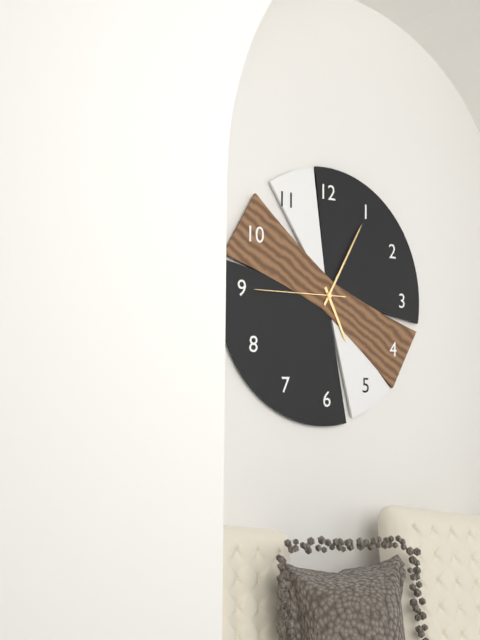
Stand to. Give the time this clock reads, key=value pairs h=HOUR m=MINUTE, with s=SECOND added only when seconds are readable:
h=5 m=5 s=45
